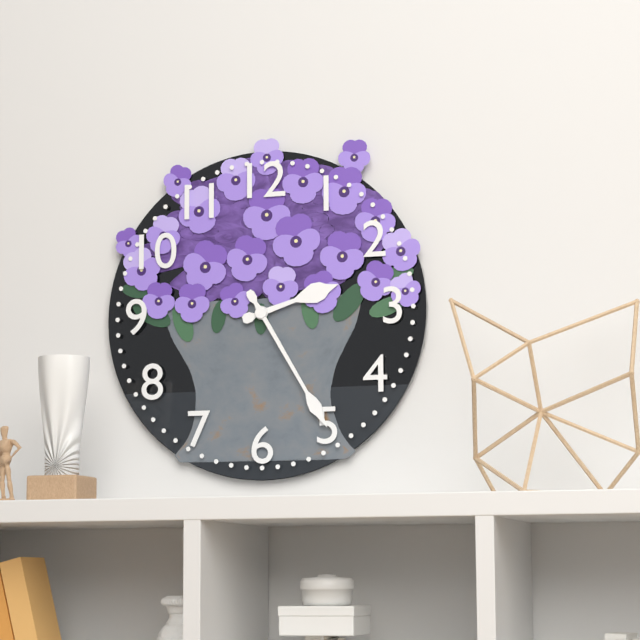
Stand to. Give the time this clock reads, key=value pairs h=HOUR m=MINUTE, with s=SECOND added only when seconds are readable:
h=2 m=25
